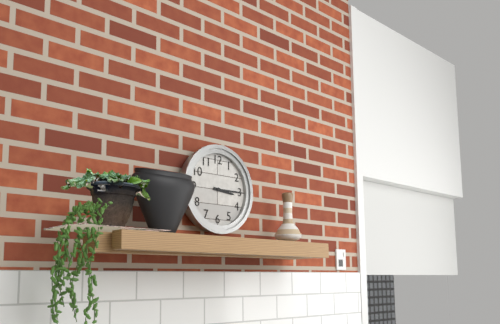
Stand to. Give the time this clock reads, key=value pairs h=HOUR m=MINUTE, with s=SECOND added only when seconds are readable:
h=3 m=15
